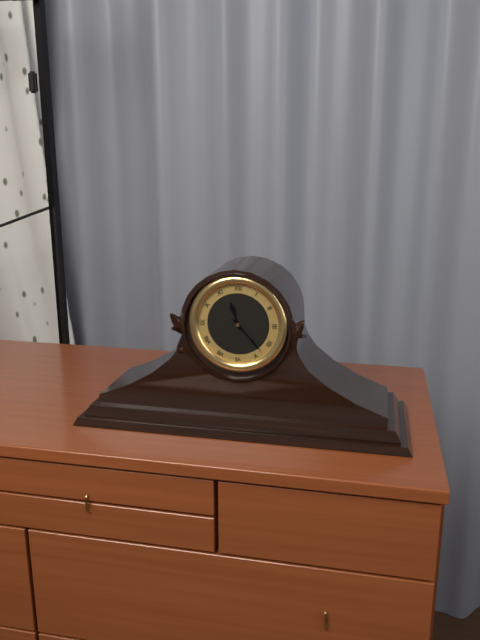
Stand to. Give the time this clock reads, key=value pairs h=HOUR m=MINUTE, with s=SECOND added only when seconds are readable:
h=11 m=23
